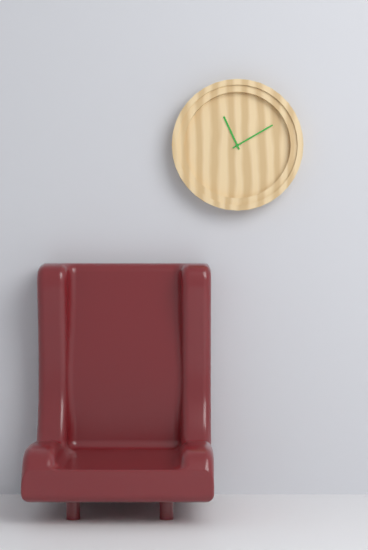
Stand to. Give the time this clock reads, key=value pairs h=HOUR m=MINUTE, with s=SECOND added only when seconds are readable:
h=11 m=10
